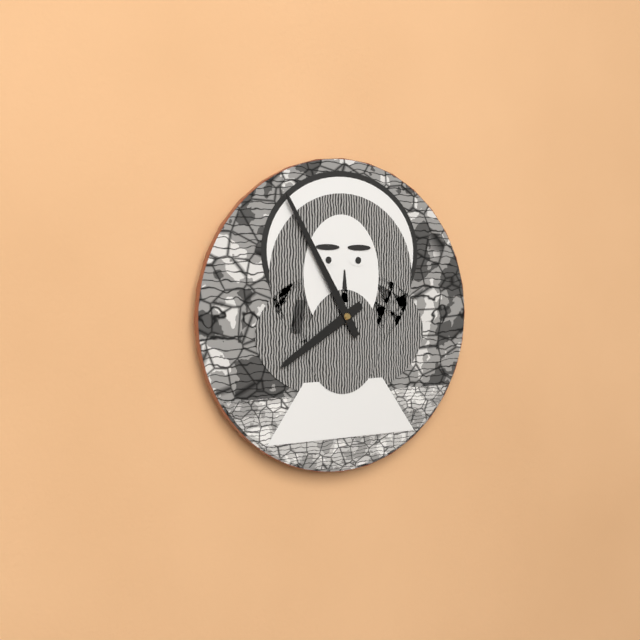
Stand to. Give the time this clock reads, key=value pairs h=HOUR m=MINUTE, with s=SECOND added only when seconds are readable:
h=7 m=55
